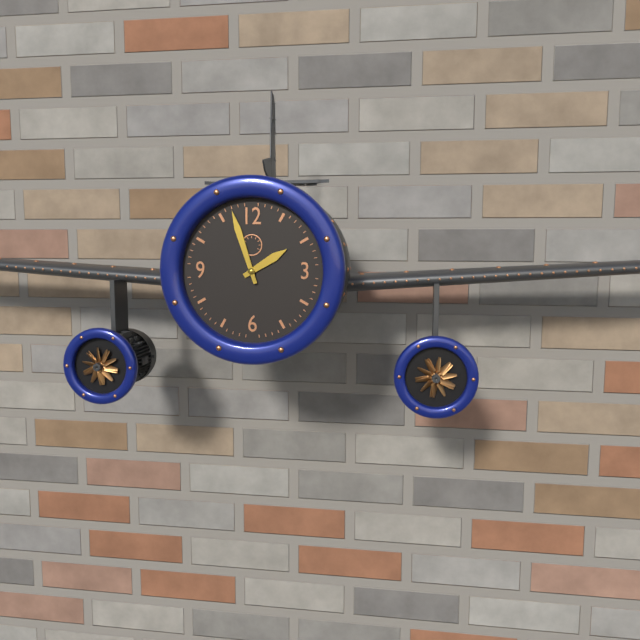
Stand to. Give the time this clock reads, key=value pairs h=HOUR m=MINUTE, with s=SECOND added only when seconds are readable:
h=1 m=57
